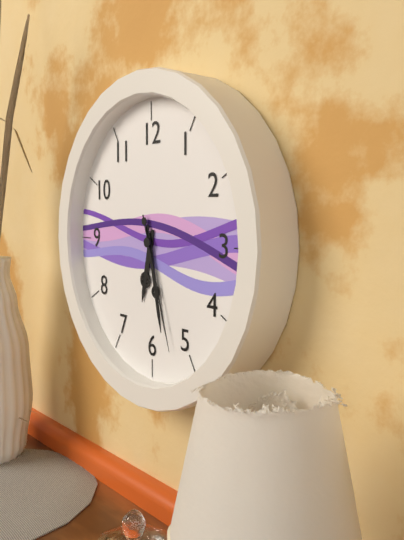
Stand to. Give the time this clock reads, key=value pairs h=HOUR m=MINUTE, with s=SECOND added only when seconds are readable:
h=6 m=28 s=27
